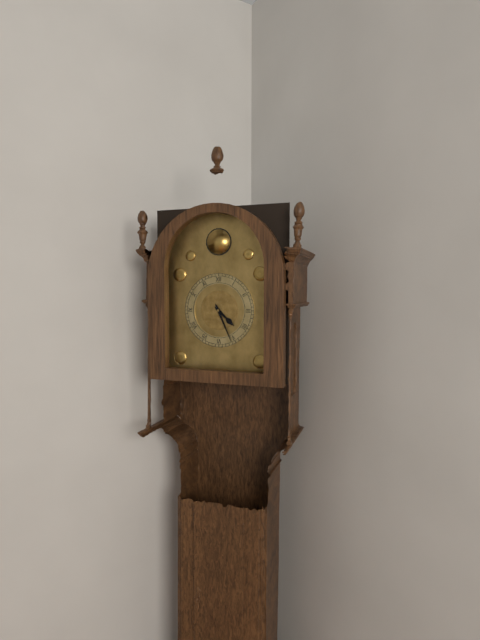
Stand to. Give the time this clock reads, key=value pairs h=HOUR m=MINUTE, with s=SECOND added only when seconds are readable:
h=4 m=26
